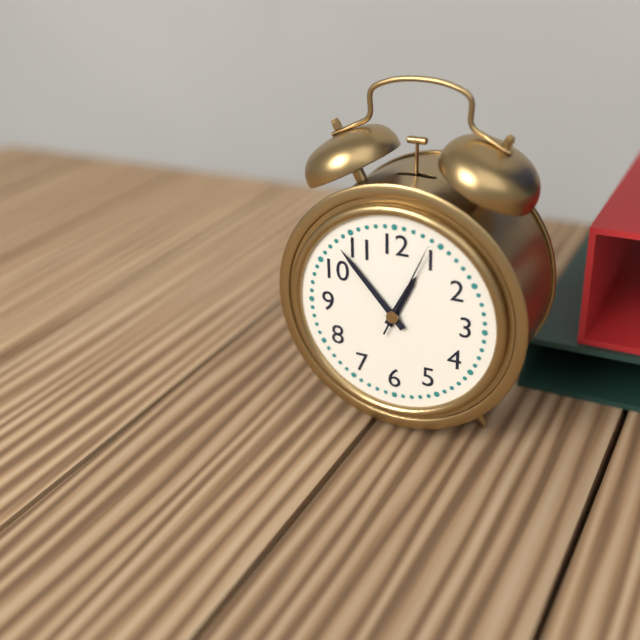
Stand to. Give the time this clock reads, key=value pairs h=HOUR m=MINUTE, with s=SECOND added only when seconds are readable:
h=12 m=53 s=4
